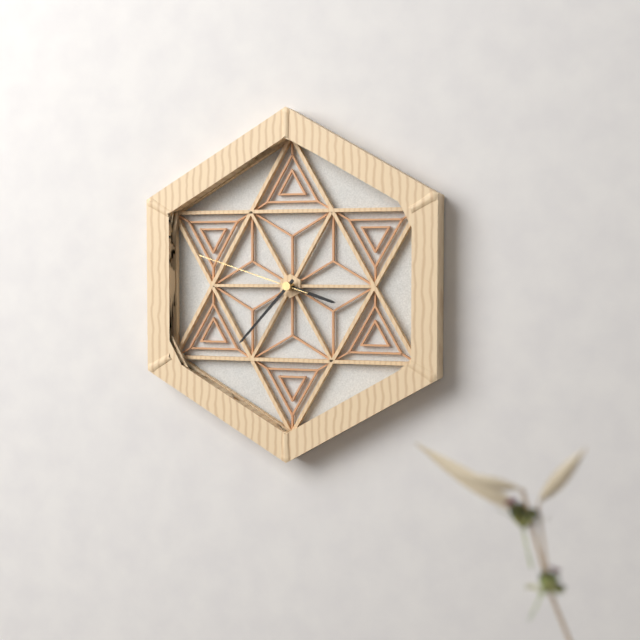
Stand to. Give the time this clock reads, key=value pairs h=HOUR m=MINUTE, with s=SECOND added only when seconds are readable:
h=3 m=37 s=48
